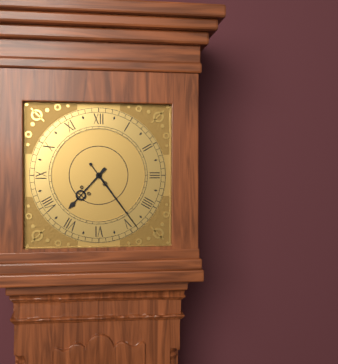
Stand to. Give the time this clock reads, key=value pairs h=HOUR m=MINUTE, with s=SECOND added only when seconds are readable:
h=7 m=24
